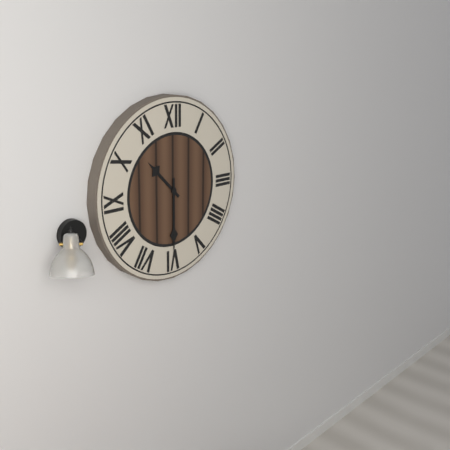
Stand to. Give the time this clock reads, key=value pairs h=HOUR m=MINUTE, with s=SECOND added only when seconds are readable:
h=10 m=30
